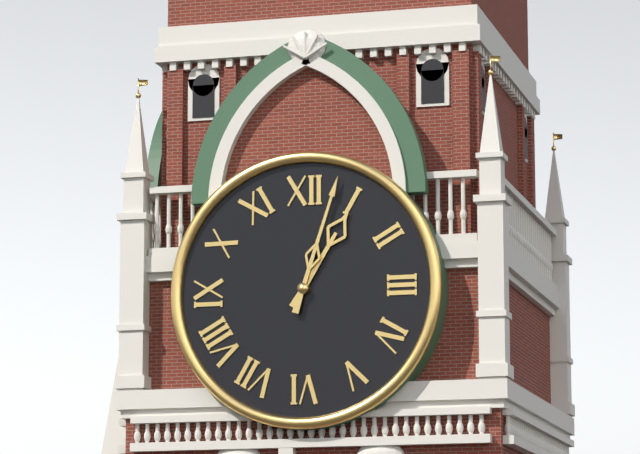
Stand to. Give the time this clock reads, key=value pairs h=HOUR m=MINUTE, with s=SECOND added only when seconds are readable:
h=1 m=3
